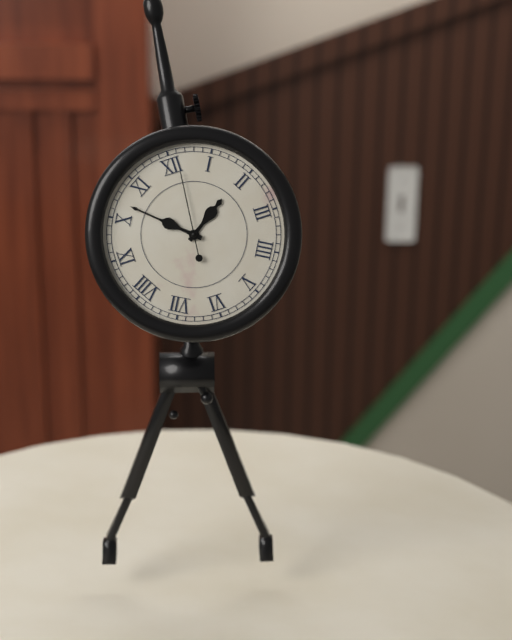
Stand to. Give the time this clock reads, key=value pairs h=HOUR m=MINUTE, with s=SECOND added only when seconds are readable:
h=1 m=52 s=1
